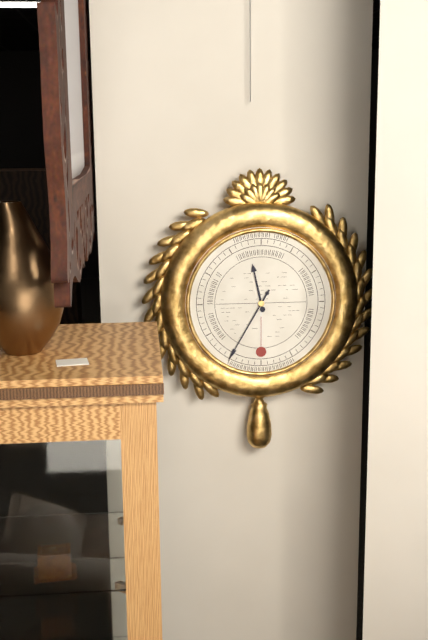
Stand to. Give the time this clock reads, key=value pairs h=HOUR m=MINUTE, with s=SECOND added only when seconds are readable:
h=11 m=35
